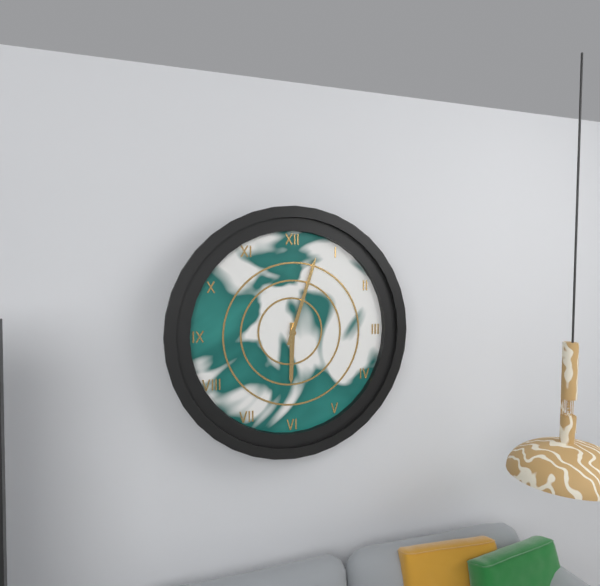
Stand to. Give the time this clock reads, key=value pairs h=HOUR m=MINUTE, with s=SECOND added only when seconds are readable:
h=6 m=3
